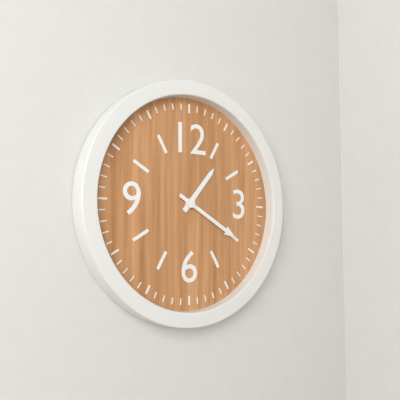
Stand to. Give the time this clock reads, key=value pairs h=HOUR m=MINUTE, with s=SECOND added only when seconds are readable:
h=1 m=20
